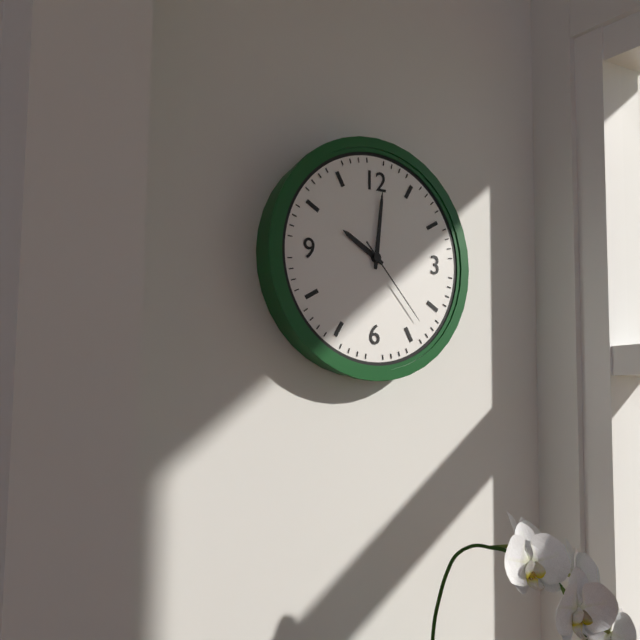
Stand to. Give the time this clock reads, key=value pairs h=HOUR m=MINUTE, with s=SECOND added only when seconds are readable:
h=10 m=1 s=23
